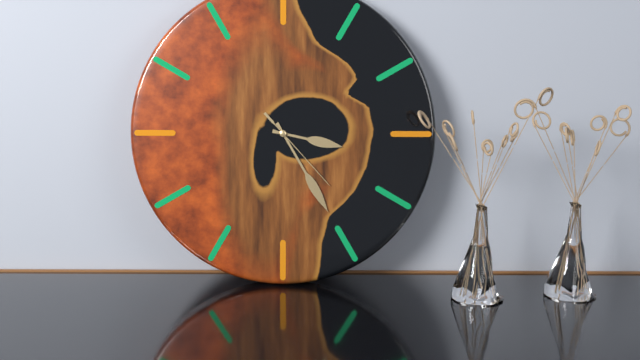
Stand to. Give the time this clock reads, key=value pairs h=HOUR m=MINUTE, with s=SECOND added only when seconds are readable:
h=3 m=25 s=23
